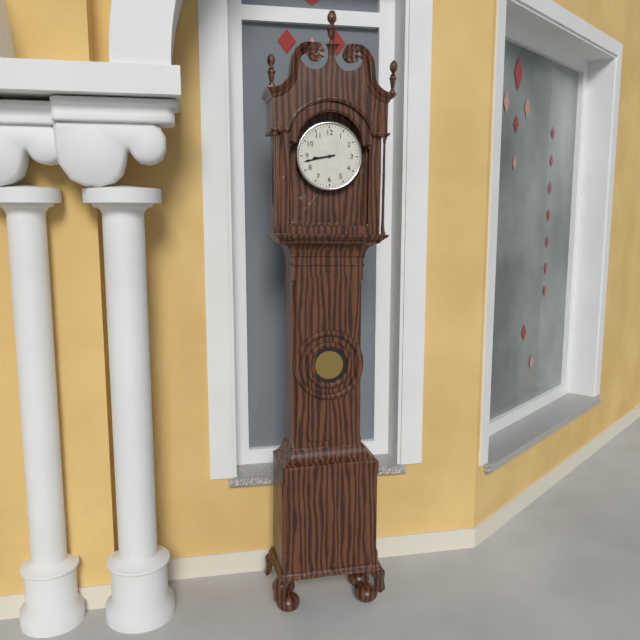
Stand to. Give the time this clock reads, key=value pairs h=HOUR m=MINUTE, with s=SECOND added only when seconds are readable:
h=8 m=43
